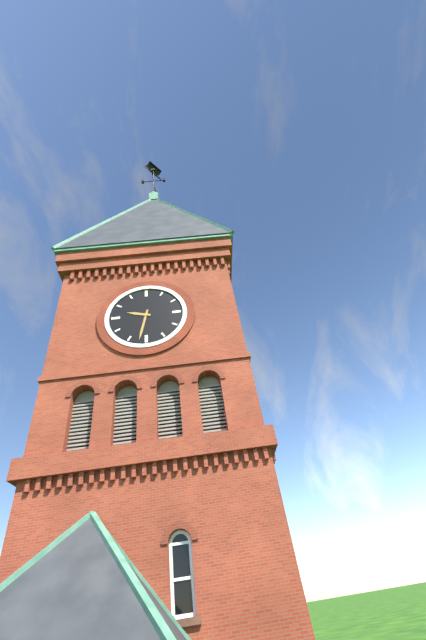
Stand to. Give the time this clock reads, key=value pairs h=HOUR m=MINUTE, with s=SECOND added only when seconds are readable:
h=9 m=32
